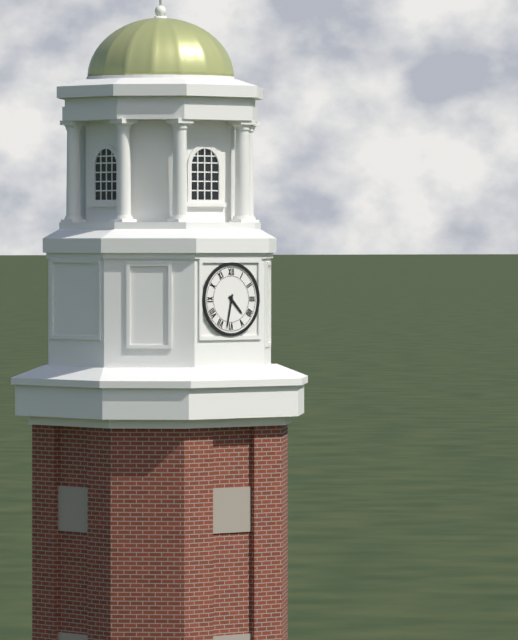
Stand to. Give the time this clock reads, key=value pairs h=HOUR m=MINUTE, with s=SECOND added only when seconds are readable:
h=4 m=32
